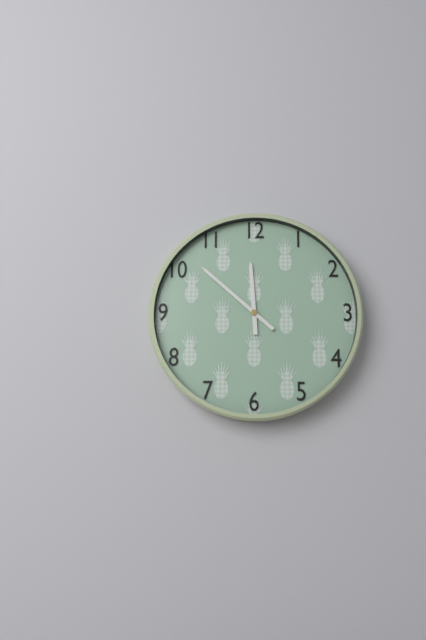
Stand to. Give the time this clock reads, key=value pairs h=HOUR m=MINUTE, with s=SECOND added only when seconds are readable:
h=11 m=52
